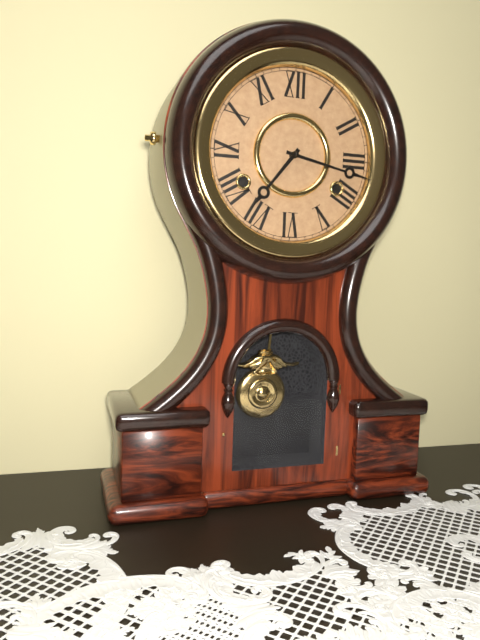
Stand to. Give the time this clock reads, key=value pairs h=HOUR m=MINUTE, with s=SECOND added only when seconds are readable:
h=7 m=17
